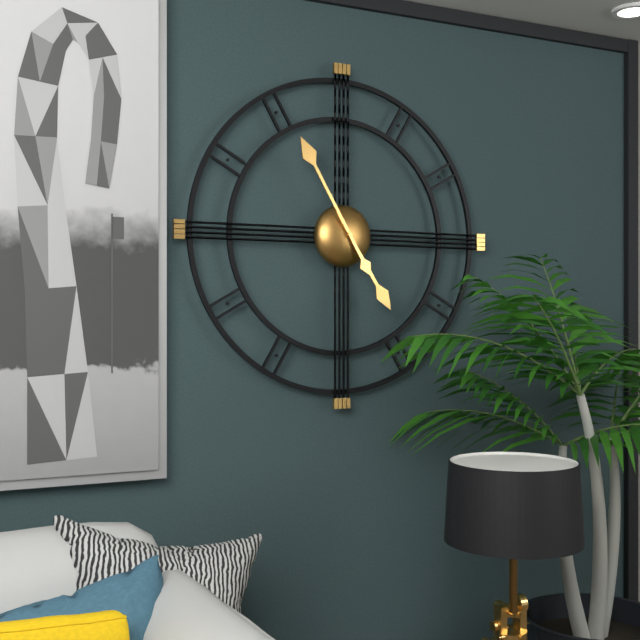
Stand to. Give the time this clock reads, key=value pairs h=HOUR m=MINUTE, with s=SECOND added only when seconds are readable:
h=4 m=55
